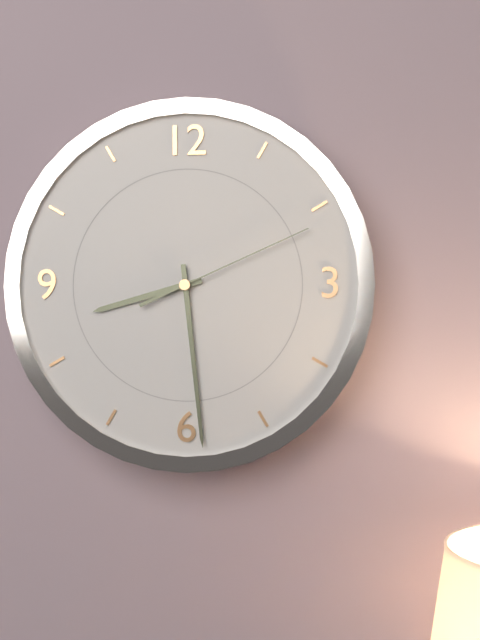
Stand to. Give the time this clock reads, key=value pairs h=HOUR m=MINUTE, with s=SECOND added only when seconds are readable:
h=8 m=29 s=11
